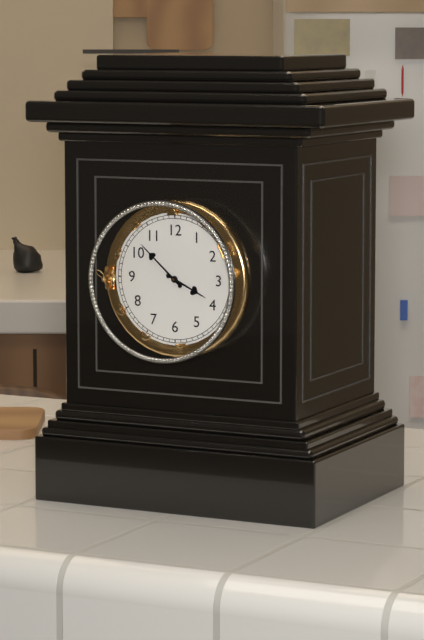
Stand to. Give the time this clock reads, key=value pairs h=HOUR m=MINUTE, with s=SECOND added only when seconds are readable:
h=3 m=52
